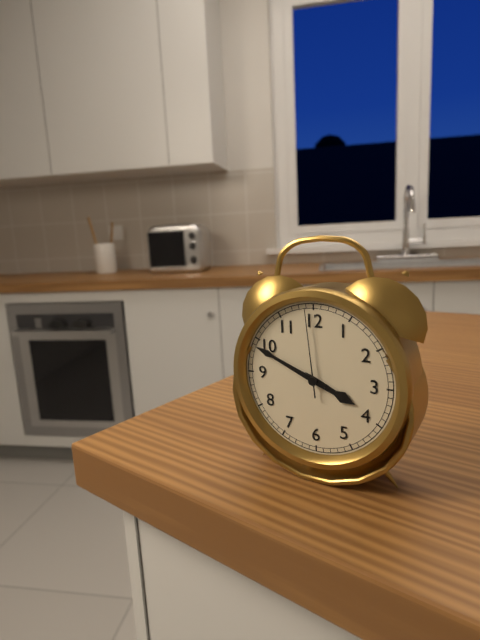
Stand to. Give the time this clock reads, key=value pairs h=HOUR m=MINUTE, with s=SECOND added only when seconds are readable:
h=3 m=49 s=59
